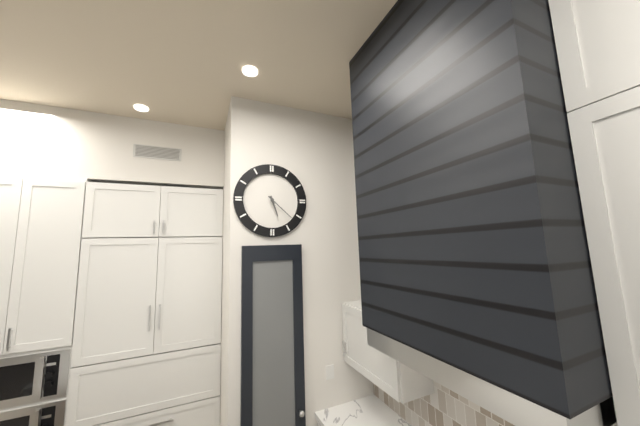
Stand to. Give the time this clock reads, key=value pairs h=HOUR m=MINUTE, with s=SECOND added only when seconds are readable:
h=5 m=22
